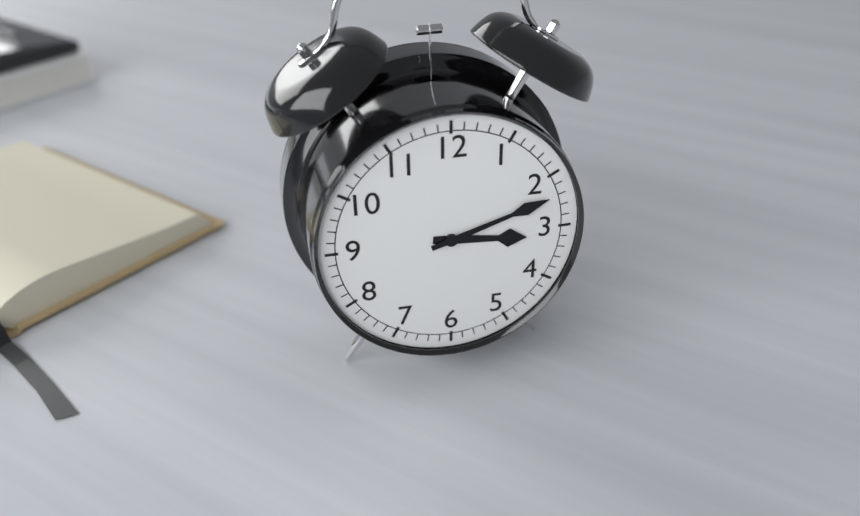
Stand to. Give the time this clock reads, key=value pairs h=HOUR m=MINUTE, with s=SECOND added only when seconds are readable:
h=3 m=12
